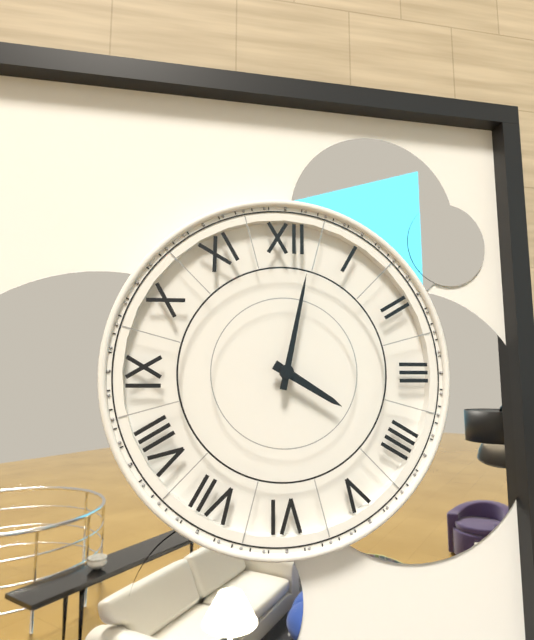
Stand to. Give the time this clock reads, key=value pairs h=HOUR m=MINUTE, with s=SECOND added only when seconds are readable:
h=4 m=2
